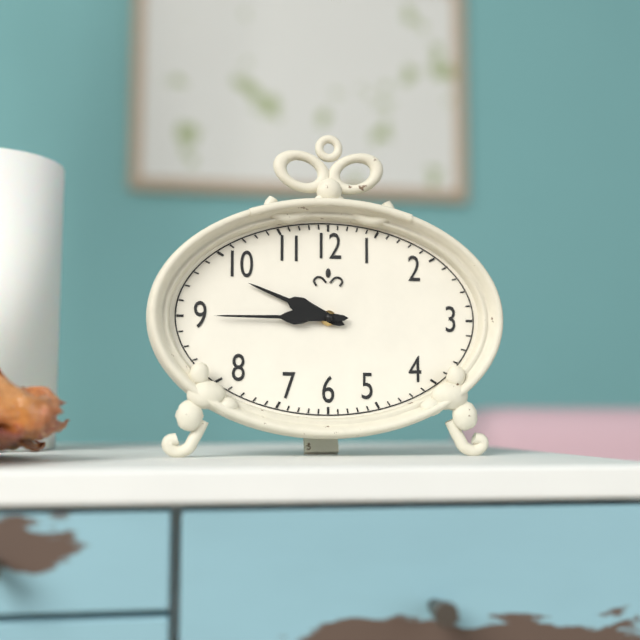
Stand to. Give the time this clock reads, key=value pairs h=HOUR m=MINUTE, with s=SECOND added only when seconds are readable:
h=9 m=45
